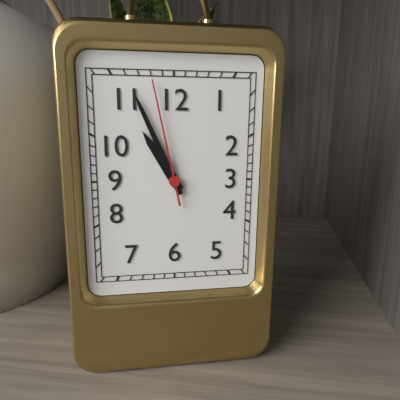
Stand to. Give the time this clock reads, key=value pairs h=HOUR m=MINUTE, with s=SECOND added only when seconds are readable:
h=10 m=56 s=58
